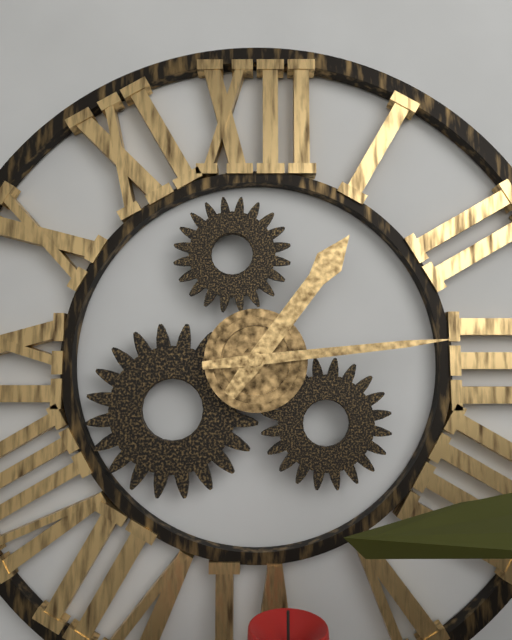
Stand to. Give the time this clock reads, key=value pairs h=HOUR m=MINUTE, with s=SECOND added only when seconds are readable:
h=1 m=14
